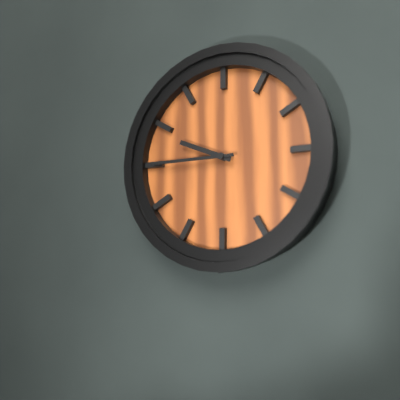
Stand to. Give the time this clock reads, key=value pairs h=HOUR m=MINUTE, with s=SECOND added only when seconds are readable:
h=9 m=45
